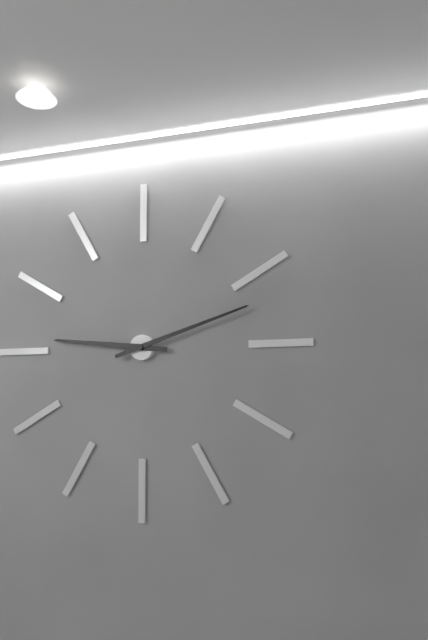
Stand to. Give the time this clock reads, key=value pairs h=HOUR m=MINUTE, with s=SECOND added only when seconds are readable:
h=9 m=12
